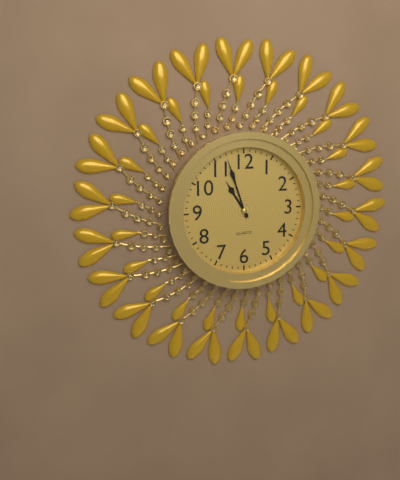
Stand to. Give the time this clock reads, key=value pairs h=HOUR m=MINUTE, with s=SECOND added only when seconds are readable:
h=10 m=57
